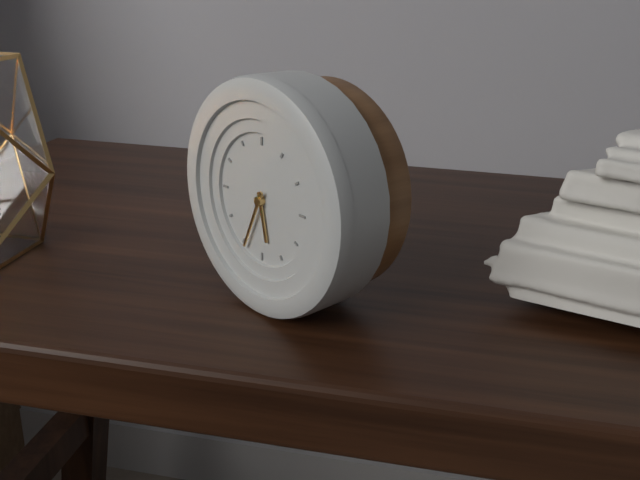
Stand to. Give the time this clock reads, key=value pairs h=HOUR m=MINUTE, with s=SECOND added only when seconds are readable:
h=5 m=34
